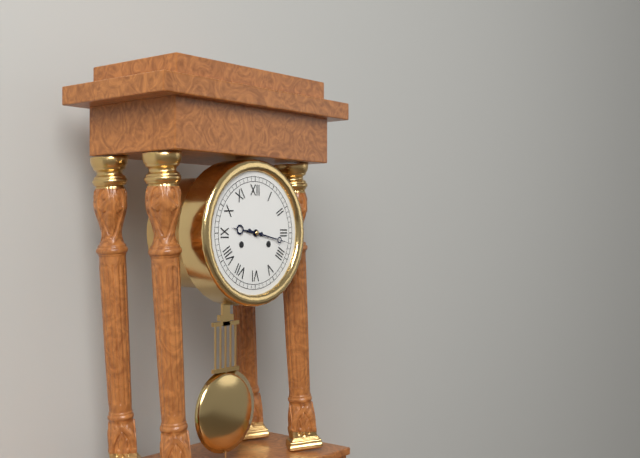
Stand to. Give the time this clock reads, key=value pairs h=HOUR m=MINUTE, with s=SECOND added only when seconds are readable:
h=9 m=17
